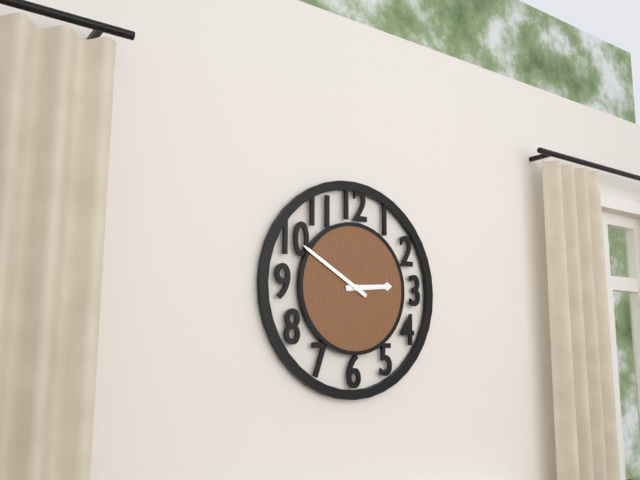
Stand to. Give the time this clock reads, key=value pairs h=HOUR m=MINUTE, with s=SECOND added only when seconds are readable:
h=2 m=50
